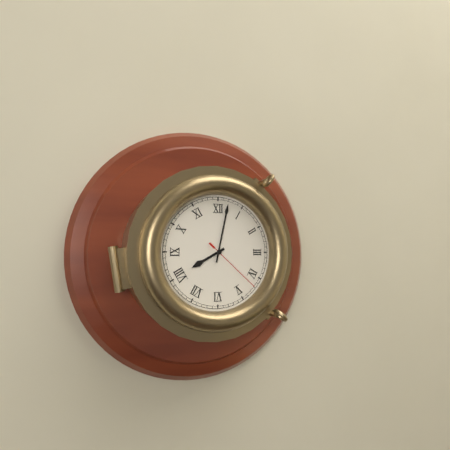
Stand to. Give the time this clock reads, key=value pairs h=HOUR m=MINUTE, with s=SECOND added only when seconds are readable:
h=8 m=2 s=22
